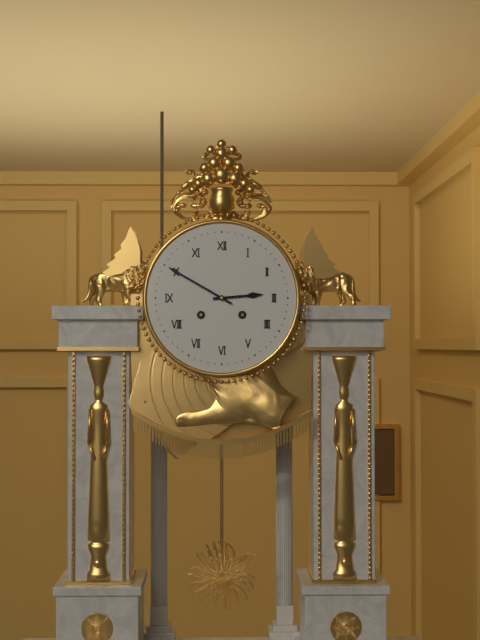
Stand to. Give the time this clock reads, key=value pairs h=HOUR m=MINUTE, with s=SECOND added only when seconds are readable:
h=2 m=50
